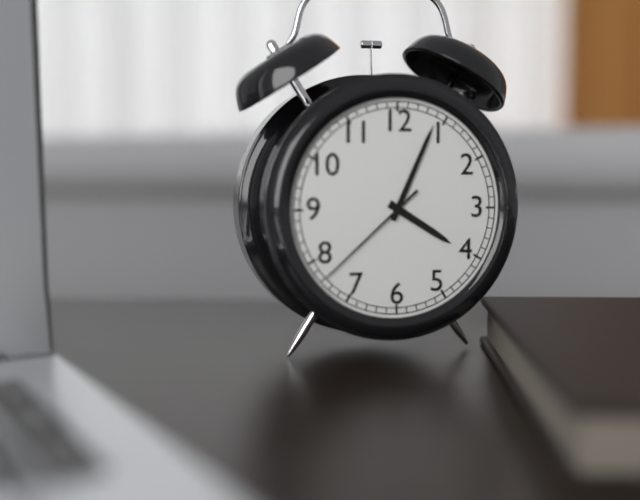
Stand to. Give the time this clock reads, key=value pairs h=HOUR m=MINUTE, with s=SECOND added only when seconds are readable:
h=4 m=4 s=38
